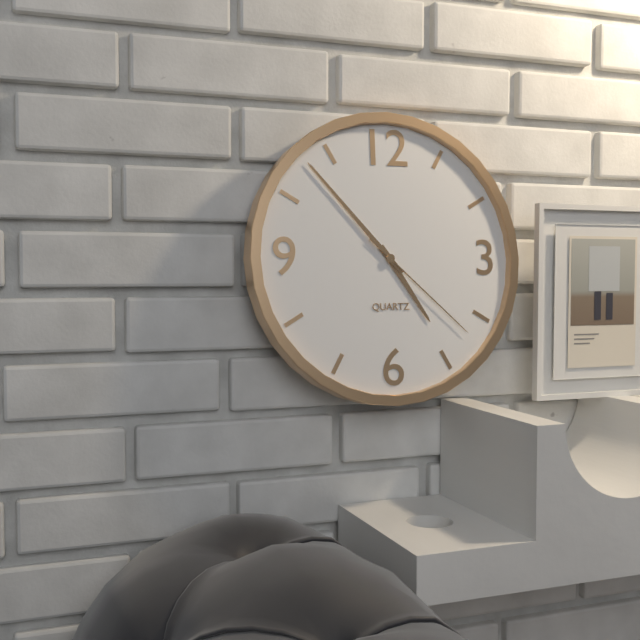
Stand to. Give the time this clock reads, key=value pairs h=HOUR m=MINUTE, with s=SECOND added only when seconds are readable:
h=4 m=53 s=22
